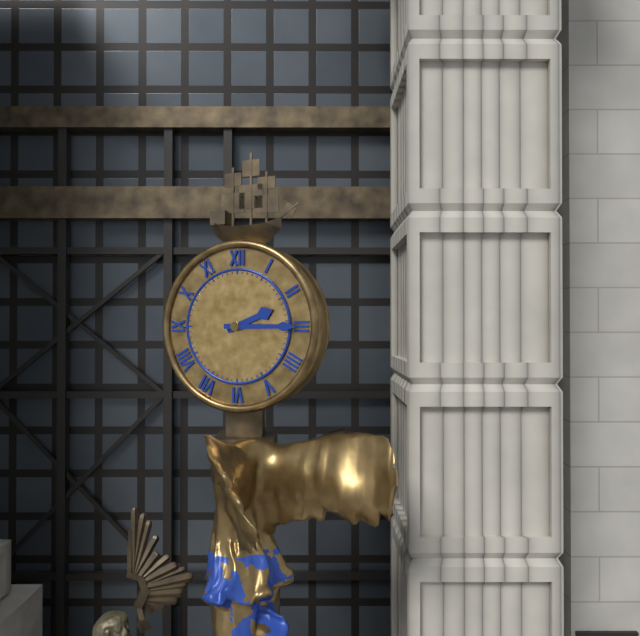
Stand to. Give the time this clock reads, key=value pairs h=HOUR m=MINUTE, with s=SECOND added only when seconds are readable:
h=2 m=15
